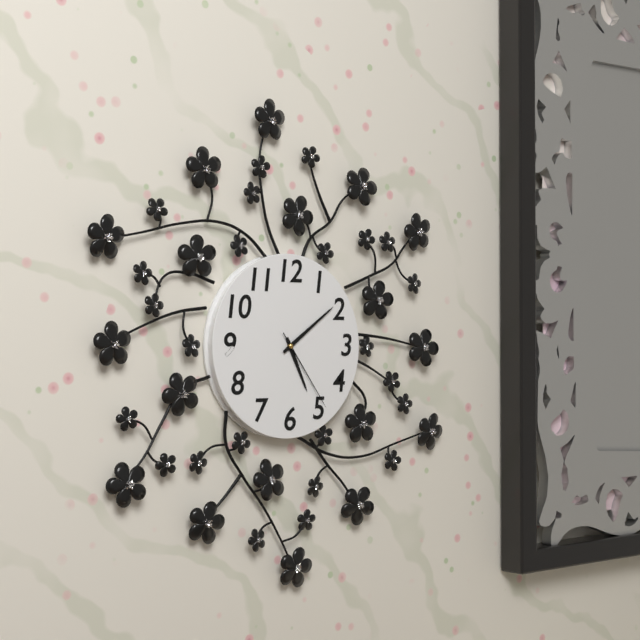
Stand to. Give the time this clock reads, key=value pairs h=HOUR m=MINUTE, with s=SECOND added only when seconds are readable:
h=5 m=9 s=24
